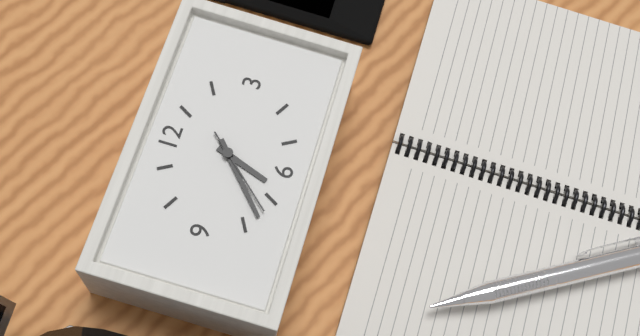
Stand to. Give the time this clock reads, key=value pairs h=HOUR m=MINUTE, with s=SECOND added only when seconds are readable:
h=6 m=38 s=37
